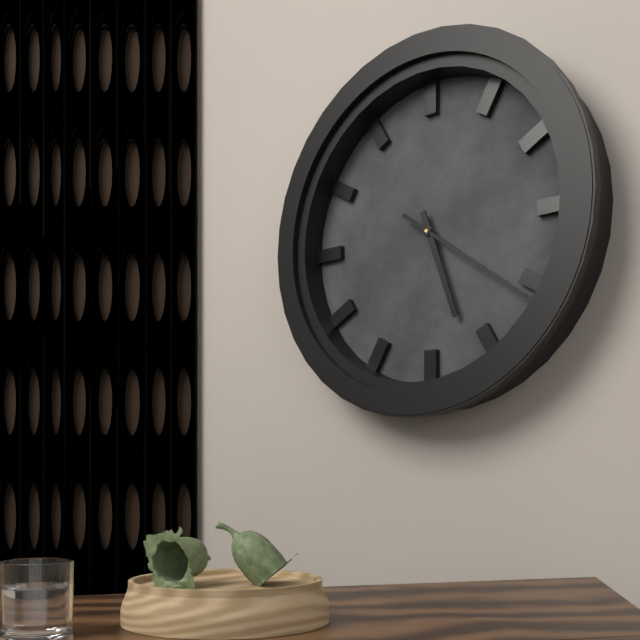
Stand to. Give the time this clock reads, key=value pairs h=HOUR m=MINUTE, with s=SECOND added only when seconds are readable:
h=5 m=21
